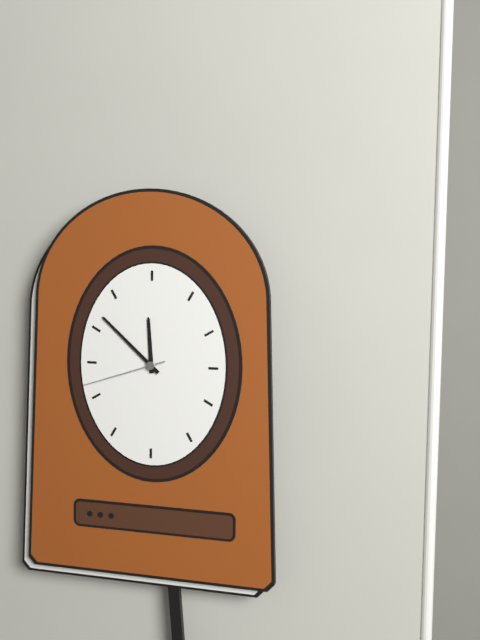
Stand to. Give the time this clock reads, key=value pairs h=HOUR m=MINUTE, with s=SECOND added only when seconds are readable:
h=11 m=52 s=42
